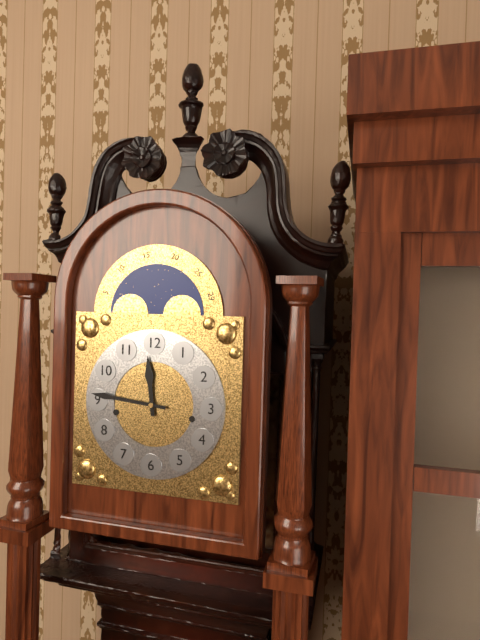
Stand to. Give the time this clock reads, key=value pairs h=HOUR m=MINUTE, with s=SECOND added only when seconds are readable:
h=11 m=46
